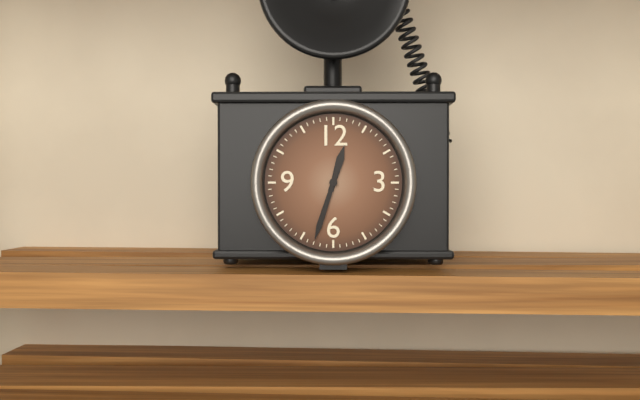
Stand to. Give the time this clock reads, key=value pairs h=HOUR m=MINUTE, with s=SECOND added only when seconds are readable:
h=12 m=33
